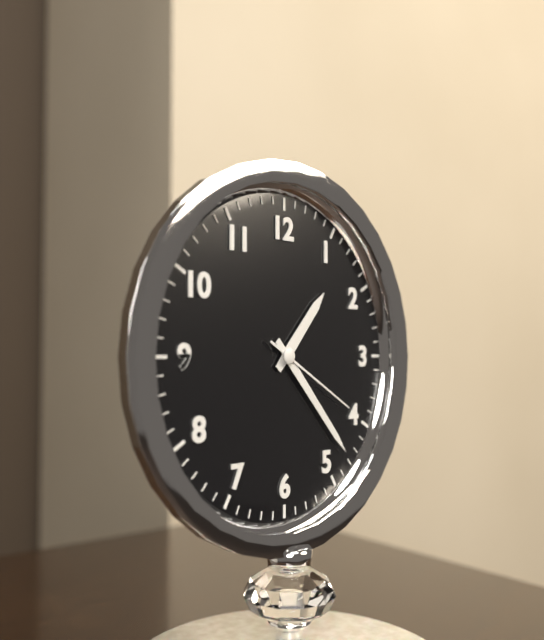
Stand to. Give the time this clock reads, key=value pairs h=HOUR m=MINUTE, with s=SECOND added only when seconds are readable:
h=1 m=23 s=20
